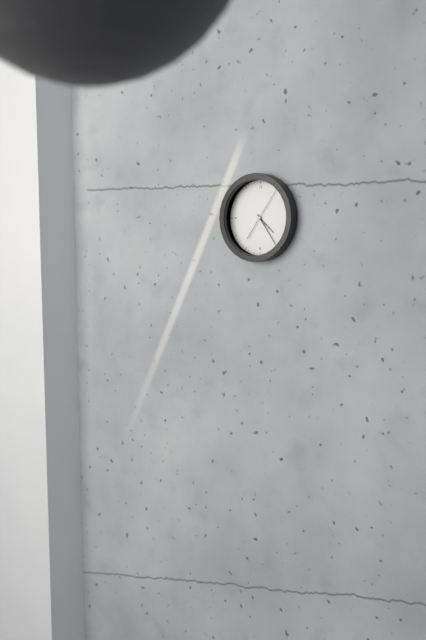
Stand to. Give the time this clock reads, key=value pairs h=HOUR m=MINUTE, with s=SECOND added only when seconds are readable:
h=4 m=24
